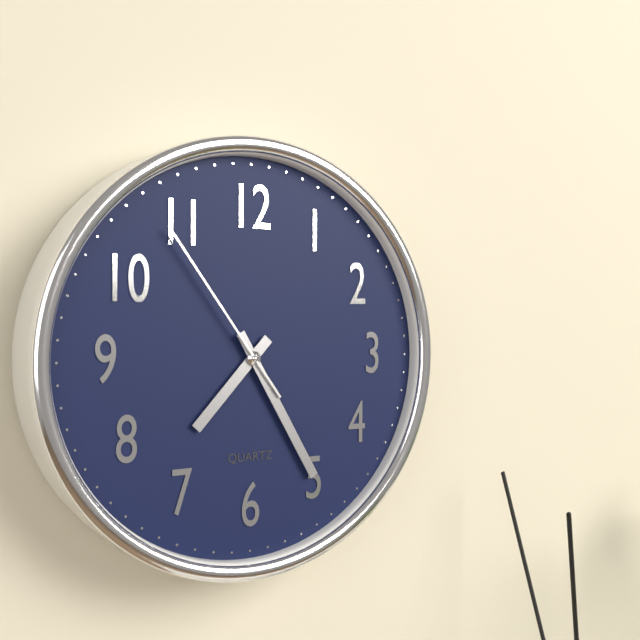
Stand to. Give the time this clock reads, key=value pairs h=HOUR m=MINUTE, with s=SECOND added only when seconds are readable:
h=7 m=25 s=54
